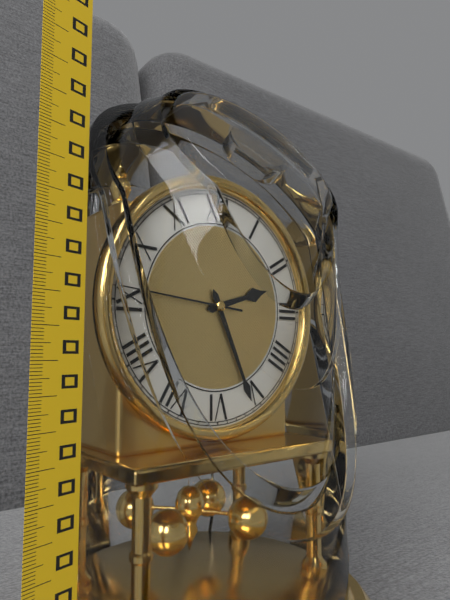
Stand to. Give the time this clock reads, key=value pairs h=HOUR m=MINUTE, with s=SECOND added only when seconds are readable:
h=2 m=26 s=46
